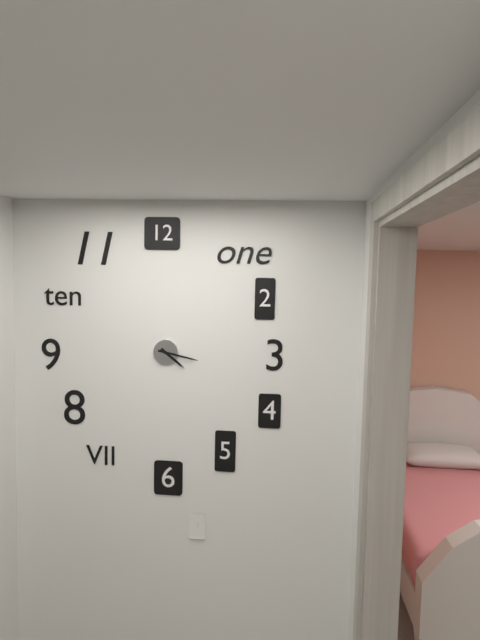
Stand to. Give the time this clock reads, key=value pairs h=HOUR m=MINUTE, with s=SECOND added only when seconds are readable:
h=4 m=17
